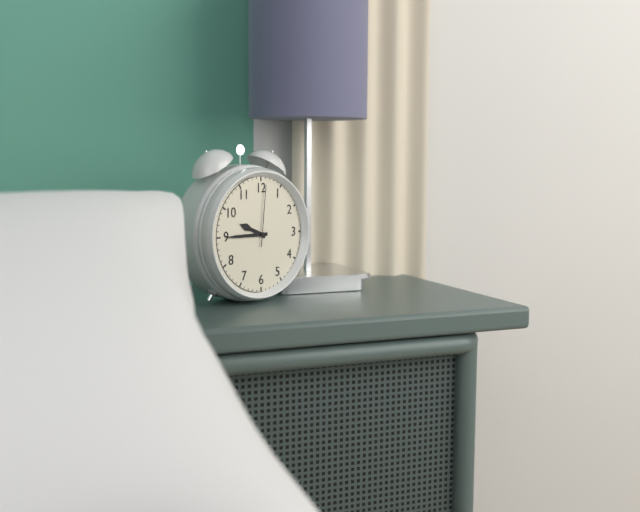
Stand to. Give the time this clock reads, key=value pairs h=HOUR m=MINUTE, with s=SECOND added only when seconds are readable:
h=9 m=45 s=1
